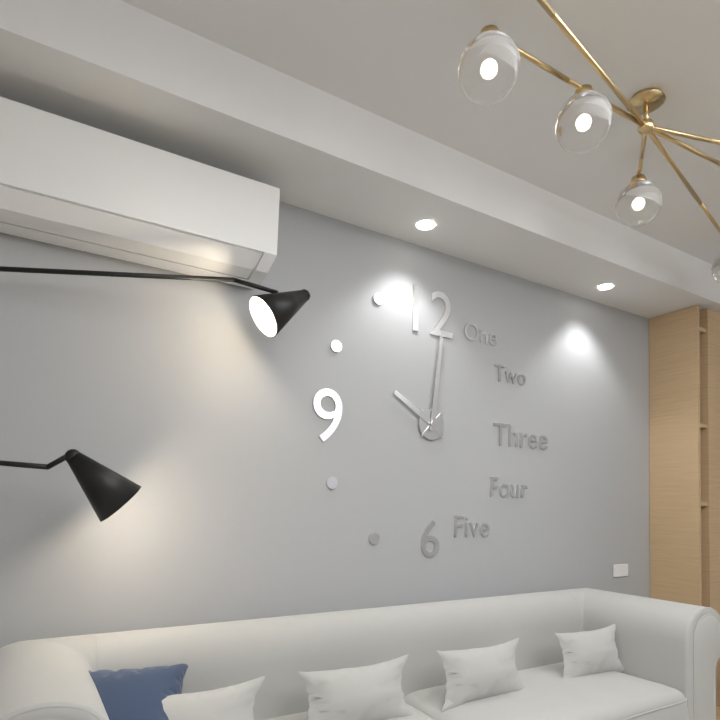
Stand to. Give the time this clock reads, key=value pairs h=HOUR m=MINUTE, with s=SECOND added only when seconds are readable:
h=10 m=1
